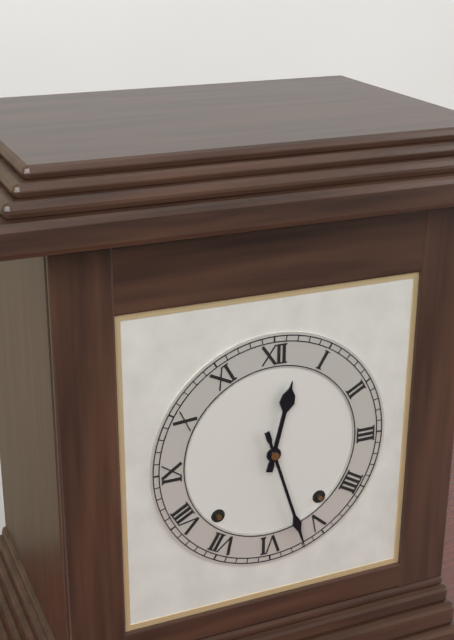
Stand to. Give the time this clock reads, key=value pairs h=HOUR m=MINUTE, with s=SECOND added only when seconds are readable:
h=12 m=27
